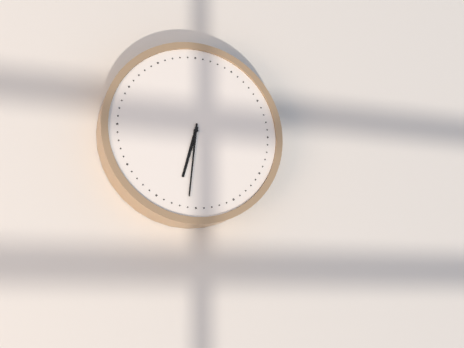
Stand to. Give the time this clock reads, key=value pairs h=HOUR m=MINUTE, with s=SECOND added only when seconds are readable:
h=6 m=31
